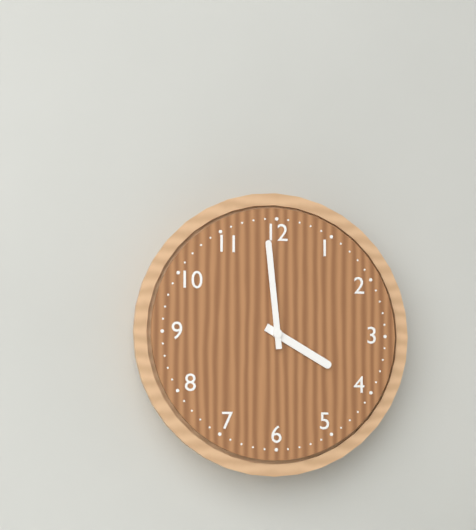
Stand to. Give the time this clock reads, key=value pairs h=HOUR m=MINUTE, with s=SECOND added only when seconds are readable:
h=3 m=59
